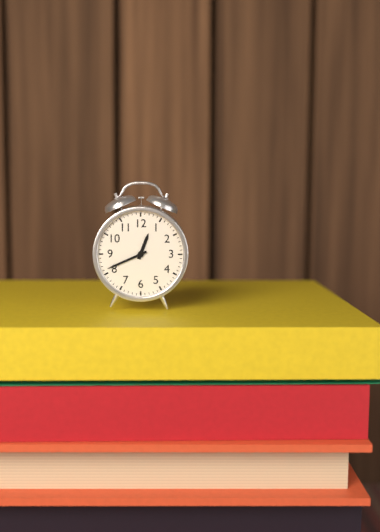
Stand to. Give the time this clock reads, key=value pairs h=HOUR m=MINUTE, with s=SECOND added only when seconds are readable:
h=12 m=41
